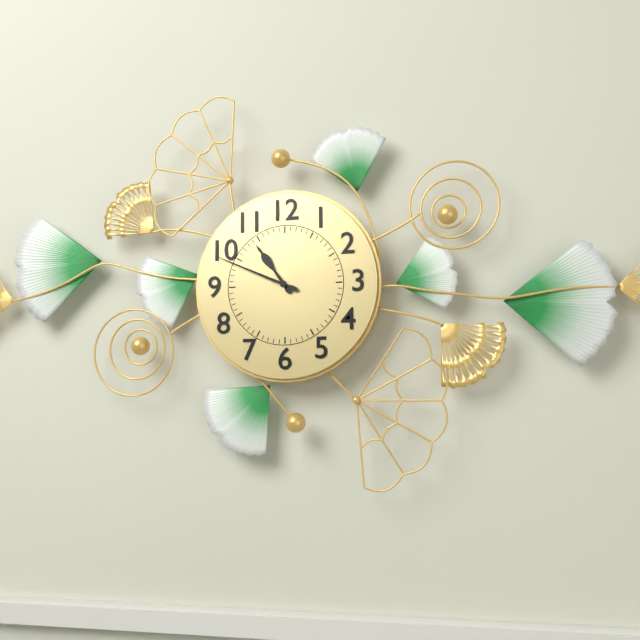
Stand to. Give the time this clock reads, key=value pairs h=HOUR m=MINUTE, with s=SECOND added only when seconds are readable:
h=10 m=49
